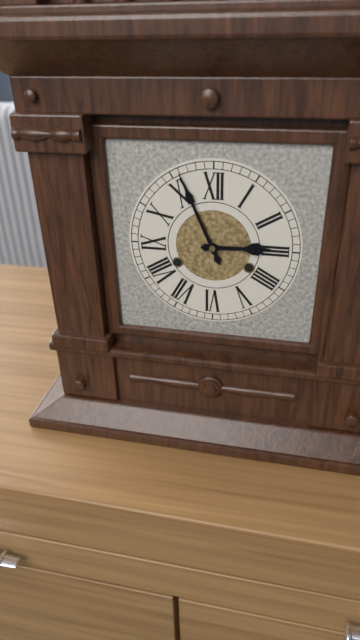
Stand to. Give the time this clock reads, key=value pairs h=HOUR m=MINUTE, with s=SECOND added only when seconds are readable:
h=2 m=56
